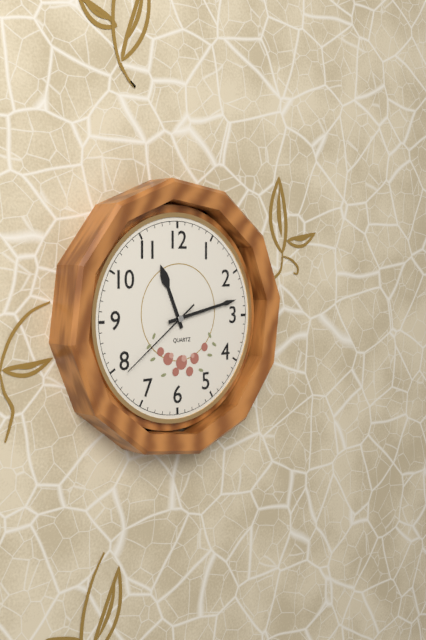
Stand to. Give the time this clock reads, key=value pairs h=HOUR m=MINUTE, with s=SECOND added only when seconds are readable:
h=11 m=13 s=39
